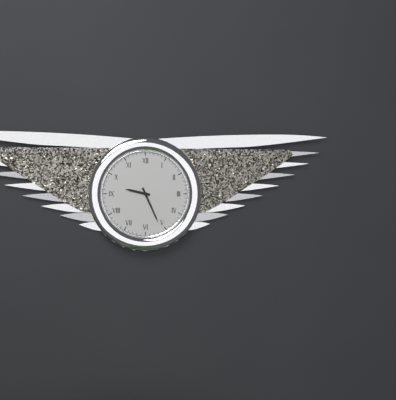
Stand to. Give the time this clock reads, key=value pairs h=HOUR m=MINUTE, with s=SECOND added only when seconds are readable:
h=9 m=26
